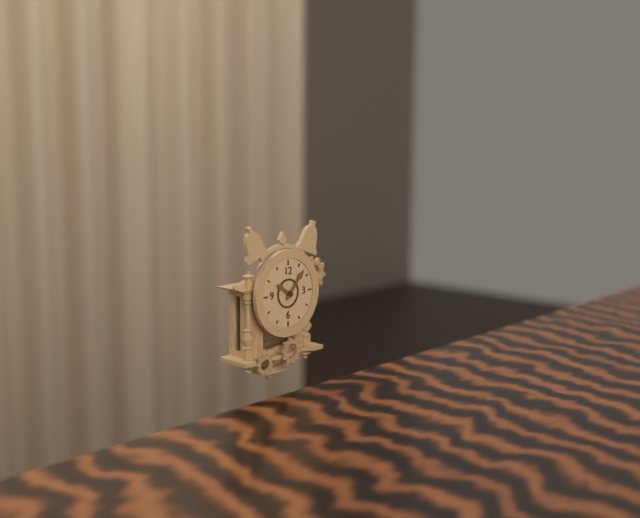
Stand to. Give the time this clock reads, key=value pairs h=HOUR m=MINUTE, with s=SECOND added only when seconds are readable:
h=10 m=7
